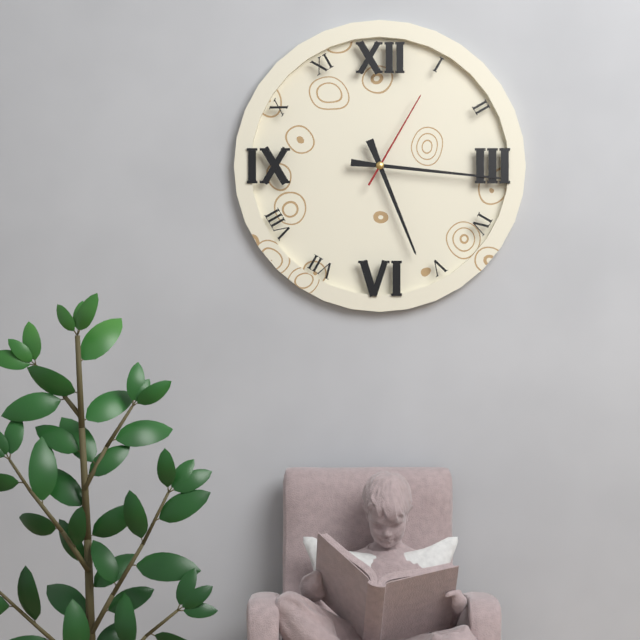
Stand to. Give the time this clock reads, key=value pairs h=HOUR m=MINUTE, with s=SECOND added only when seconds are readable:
h=5 m=16 s=5
